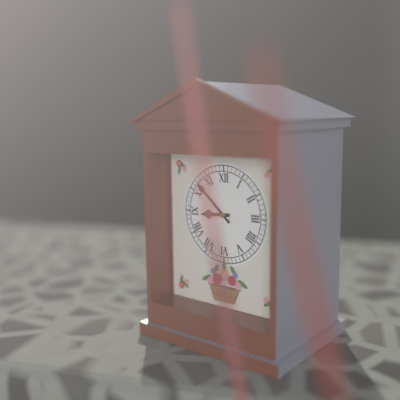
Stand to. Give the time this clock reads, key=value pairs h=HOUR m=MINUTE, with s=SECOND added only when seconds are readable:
h=8 m=52
